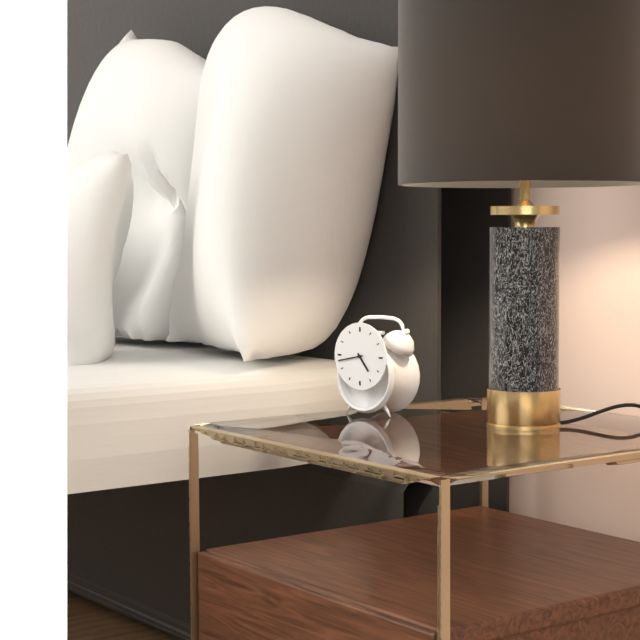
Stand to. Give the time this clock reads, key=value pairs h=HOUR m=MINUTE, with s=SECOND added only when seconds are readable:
h=4 m=43
